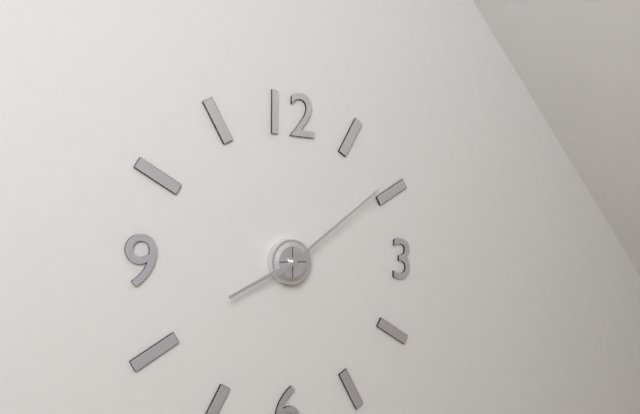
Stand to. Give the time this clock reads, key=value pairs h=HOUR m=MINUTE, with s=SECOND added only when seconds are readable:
h=8 m=9
